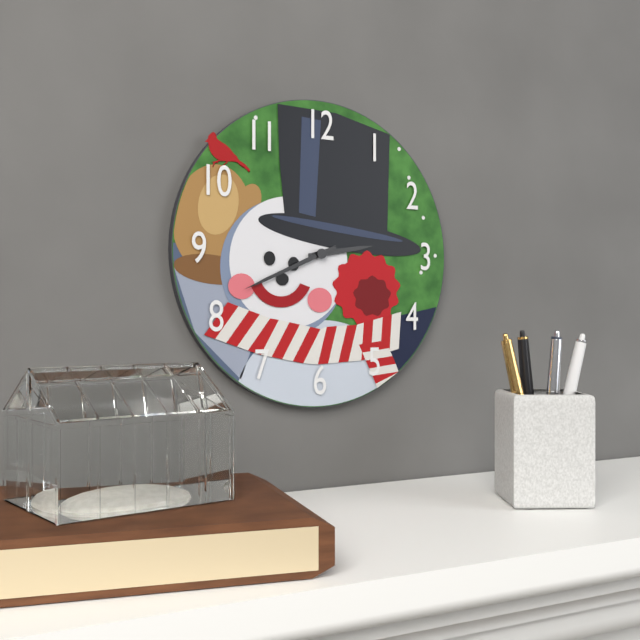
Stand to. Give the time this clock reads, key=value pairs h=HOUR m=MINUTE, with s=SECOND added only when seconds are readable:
h=2 m=41
